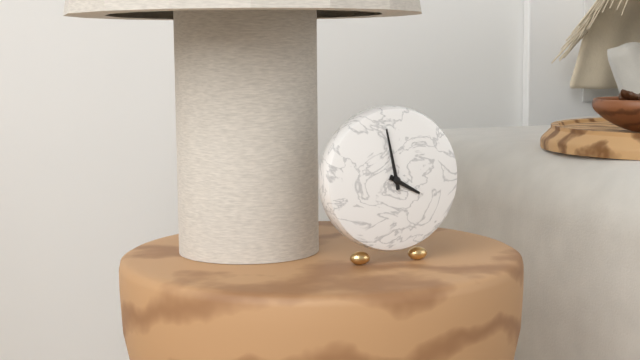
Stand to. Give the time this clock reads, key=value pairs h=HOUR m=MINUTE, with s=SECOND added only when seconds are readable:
h=3 m=58
